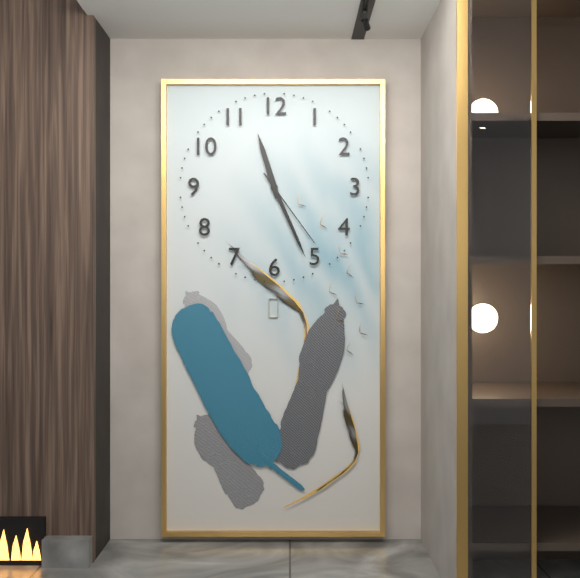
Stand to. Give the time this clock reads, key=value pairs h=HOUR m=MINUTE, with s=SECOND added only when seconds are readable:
h=11 m=26 s=24
